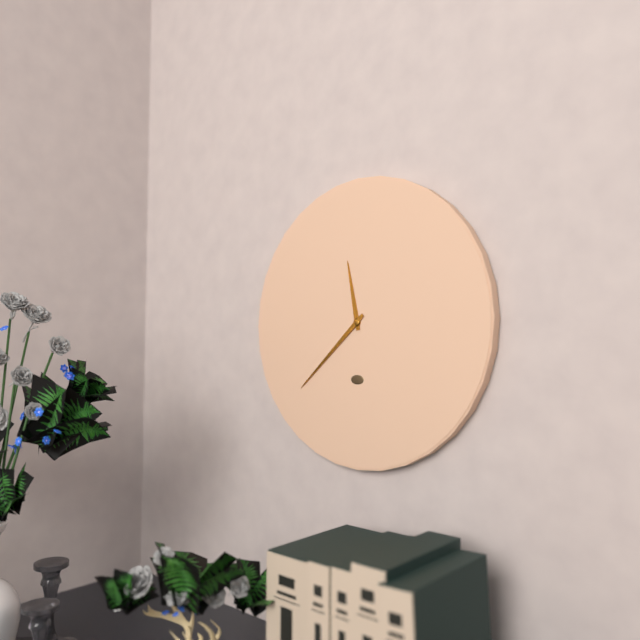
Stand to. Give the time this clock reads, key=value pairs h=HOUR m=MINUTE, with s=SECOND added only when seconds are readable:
h=11 m=38
